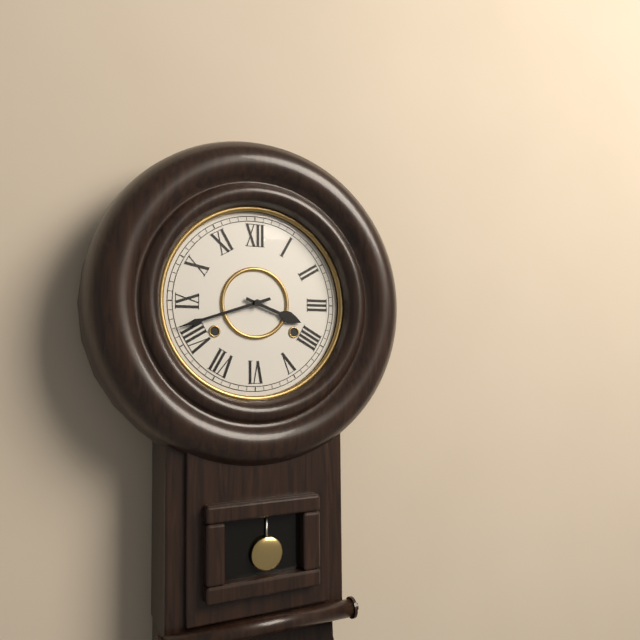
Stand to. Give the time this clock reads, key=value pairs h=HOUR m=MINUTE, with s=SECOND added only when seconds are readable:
h=3 m=42
